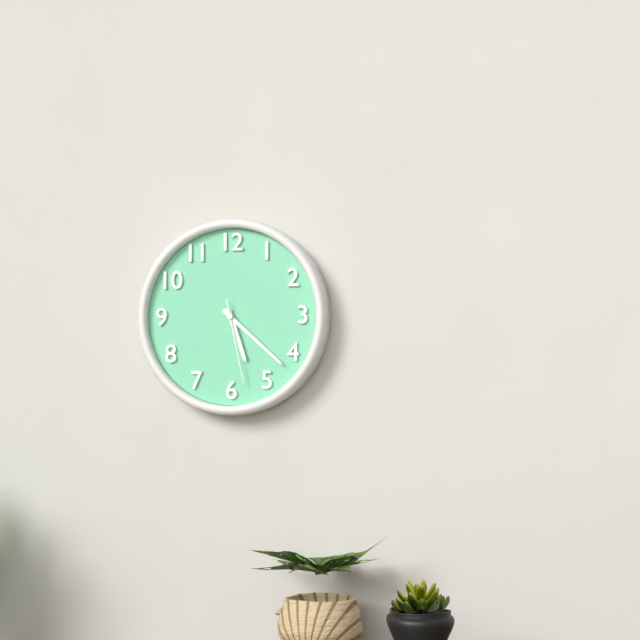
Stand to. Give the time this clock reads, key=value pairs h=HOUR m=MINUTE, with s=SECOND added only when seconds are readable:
h=5 m=22 s=28
